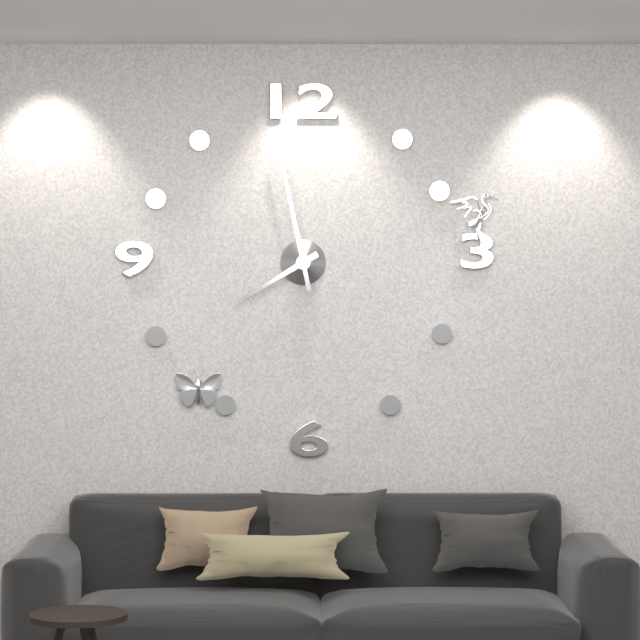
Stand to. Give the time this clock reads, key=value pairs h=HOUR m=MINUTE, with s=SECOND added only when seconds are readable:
h=7 m=58
